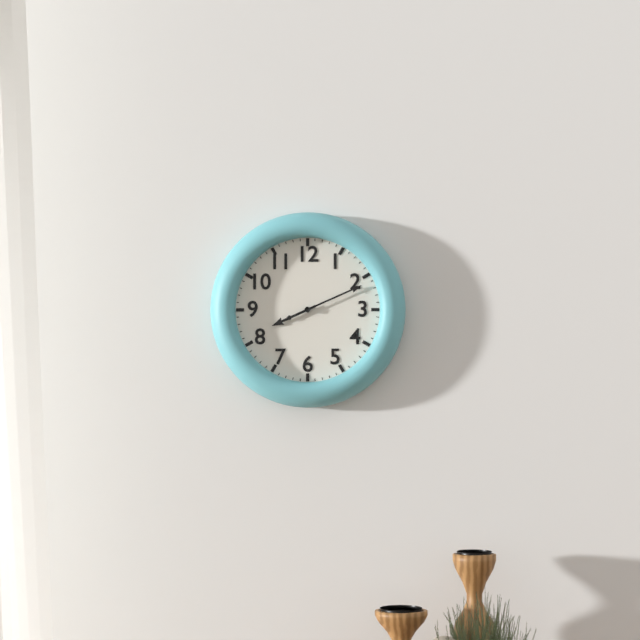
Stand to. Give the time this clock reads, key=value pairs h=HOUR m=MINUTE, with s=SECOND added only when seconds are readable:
h=8 m=11
